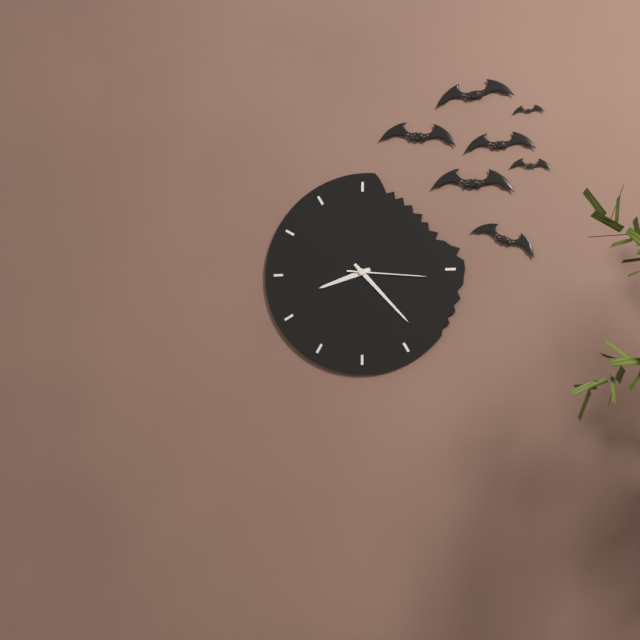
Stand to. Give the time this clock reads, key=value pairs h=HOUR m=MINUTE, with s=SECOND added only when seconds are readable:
h=8 m=23 s=16
